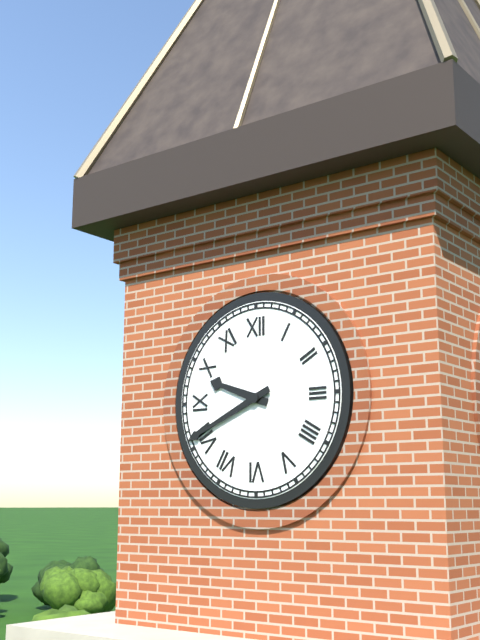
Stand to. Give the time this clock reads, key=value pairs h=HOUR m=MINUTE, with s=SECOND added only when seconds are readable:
h=9 m=41
